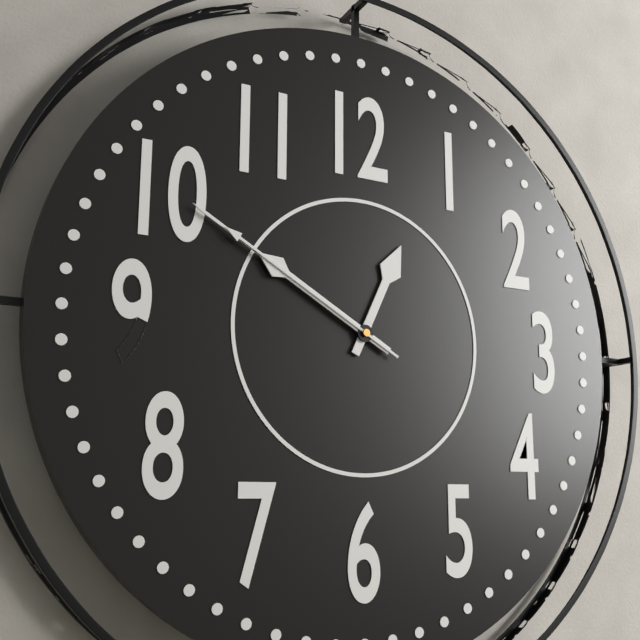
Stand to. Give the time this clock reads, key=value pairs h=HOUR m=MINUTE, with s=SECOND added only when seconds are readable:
h=12 m=50 s=50
